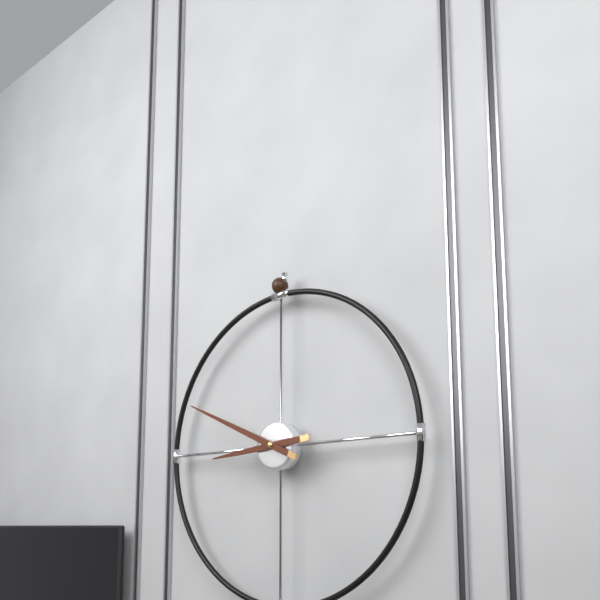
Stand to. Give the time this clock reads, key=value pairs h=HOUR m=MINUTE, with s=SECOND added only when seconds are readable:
h=8 m=49
